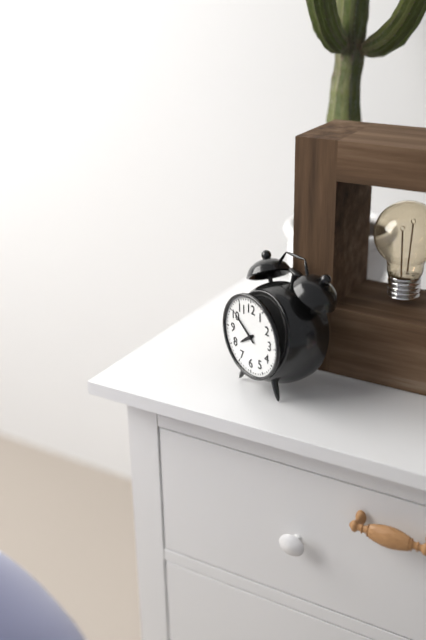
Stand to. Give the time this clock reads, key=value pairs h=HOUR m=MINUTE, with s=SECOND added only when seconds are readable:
h=7 m=51
